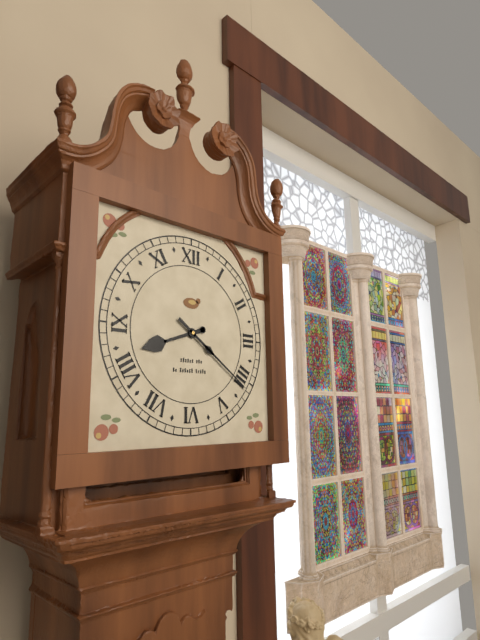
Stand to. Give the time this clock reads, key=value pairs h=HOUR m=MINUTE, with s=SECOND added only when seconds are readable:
h=8 m=21
